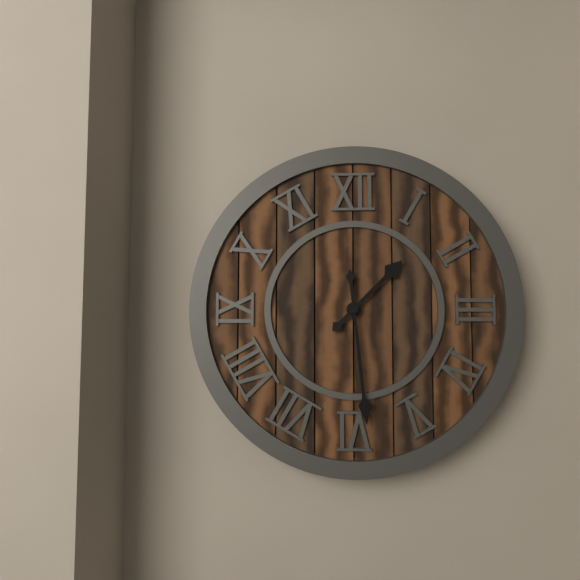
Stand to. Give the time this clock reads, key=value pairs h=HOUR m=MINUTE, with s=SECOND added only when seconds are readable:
h=1 m=29
